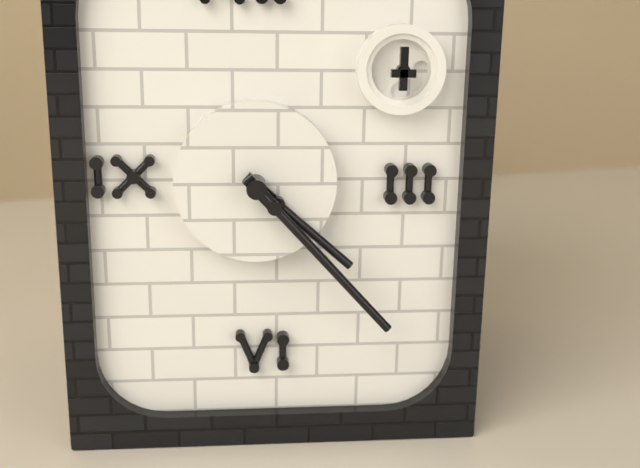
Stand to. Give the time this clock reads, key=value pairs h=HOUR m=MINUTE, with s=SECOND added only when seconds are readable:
h=4 m=23
